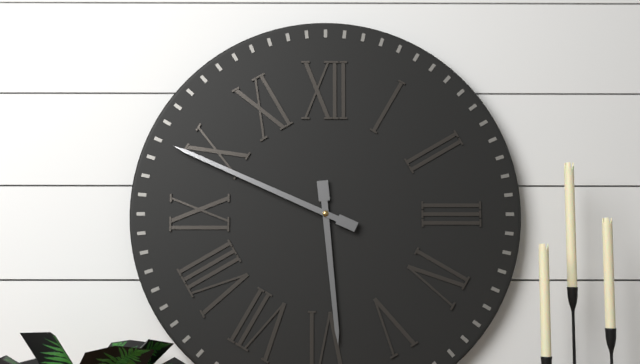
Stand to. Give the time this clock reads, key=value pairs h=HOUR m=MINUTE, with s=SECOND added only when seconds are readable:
h=5 m=49
